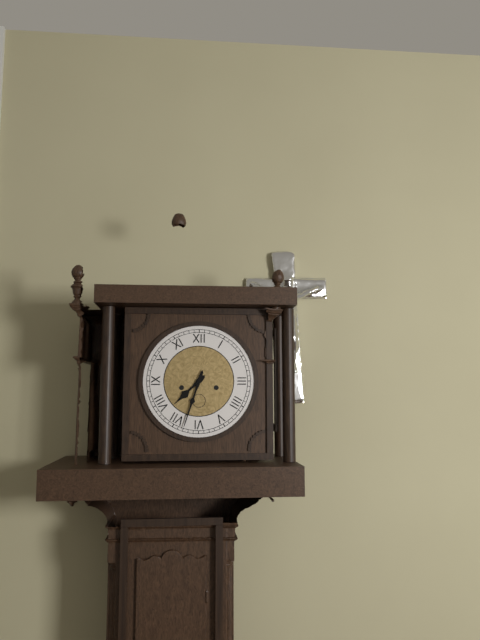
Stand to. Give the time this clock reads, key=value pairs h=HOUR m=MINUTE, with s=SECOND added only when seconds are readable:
h=7 m=33
